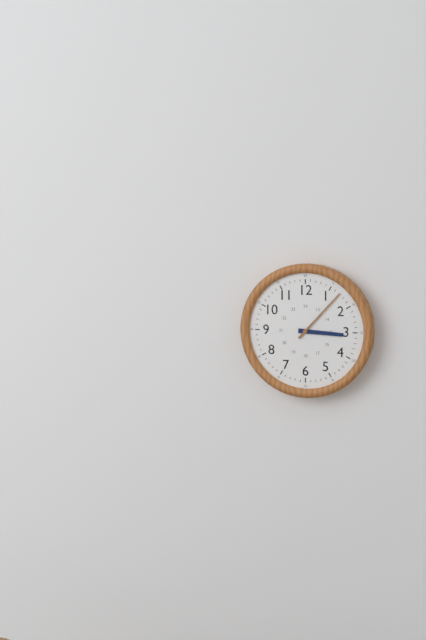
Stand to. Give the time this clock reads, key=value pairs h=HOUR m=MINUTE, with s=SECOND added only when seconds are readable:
h=3 m=7
